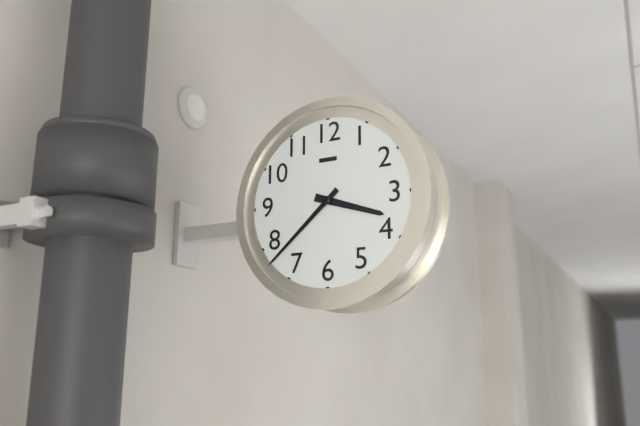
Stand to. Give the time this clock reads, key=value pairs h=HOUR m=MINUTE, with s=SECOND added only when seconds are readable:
h=3 m=38
